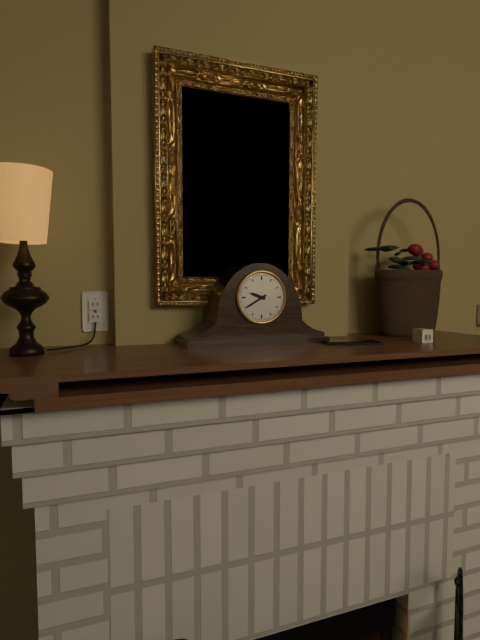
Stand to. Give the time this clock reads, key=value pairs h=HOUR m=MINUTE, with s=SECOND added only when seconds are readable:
h=9 m=40
